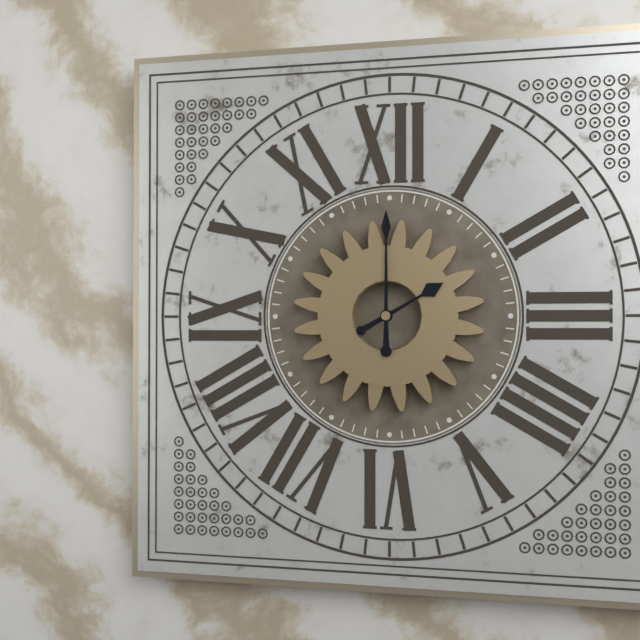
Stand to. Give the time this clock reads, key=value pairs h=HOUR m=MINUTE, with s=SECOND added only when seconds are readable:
h=2 m=0
